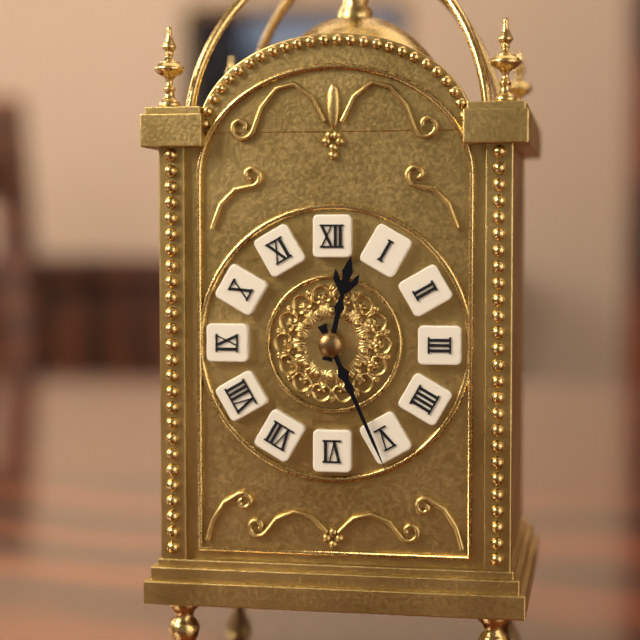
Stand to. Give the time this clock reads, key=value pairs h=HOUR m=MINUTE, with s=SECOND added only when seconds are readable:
h=12 m=26
